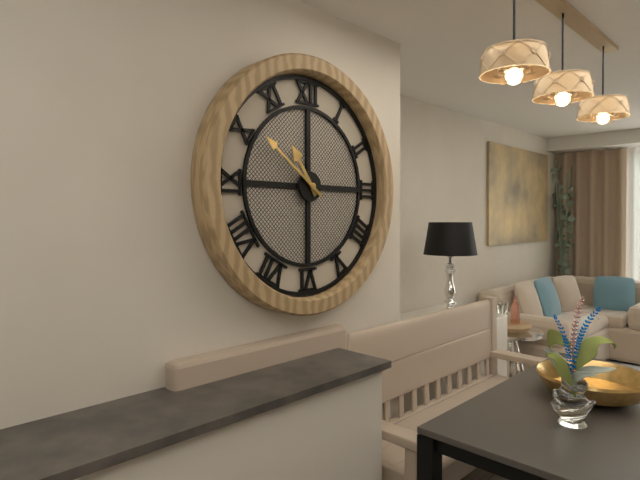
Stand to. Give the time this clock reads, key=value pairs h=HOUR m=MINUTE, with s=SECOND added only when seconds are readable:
h=10 m=51
